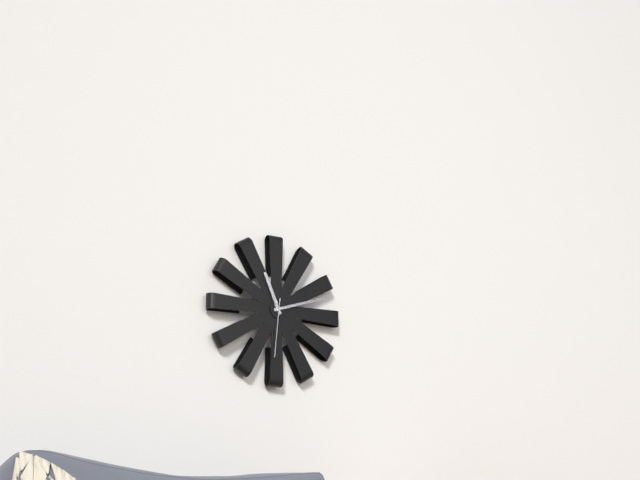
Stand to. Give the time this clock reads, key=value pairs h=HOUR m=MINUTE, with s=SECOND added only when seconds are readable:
h=11 m=12 s=31
